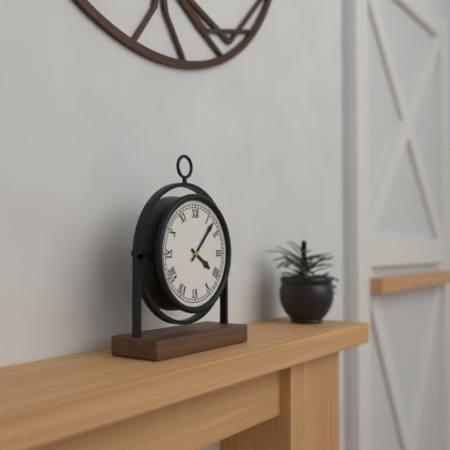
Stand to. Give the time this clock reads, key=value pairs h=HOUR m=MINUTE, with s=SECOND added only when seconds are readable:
h=4 m=7
